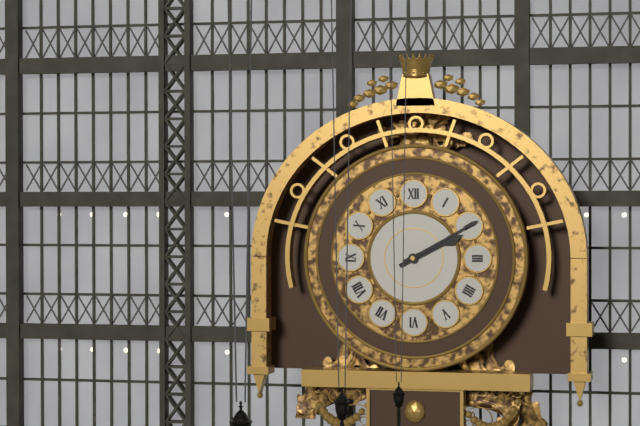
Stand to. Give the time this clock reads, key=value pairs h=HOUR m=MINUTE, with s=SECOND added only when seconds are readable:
h=2 m=10
